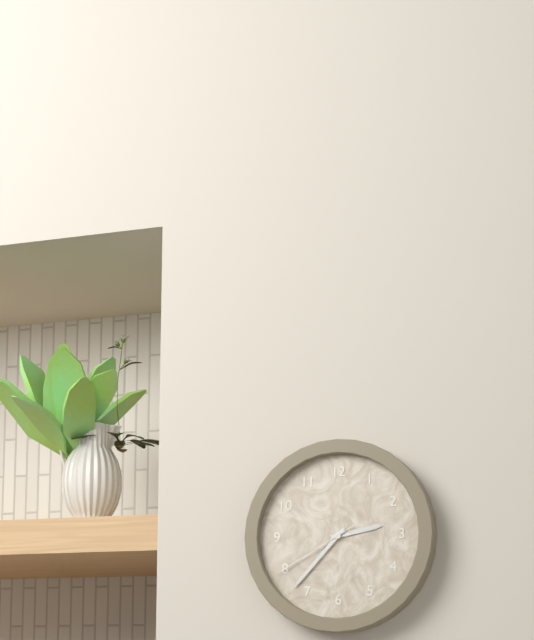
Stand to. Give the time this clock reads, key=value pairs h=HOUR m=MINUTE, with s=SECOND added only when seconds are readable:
h=2 m=37 s=40
